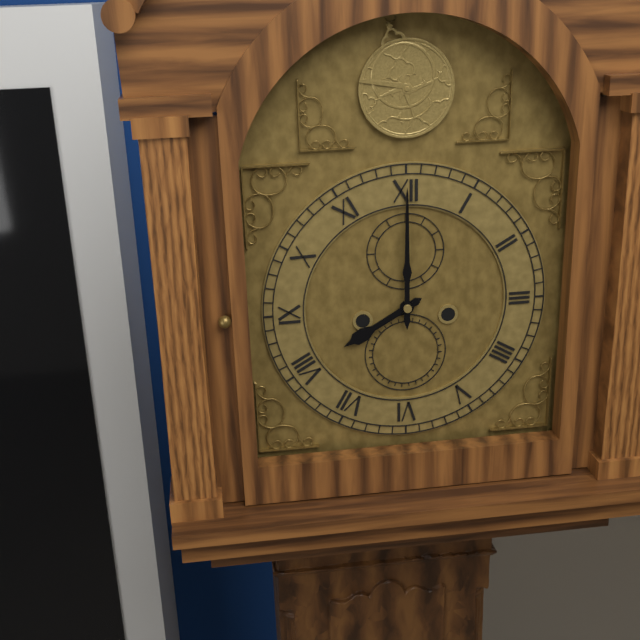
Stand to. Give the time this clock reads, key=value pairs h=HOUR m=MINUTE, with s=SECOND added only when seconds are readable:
h=8 m=0
